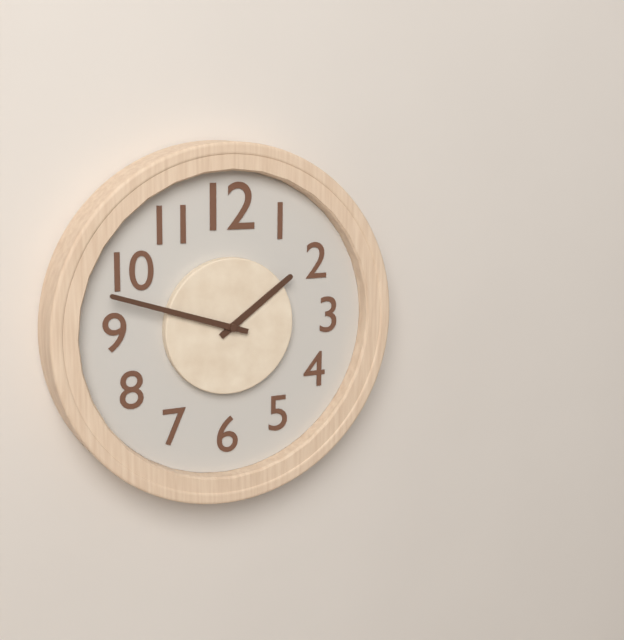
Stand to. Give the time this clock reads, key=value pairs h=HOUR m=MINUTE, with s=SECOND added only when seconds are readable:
h=1 m=48
